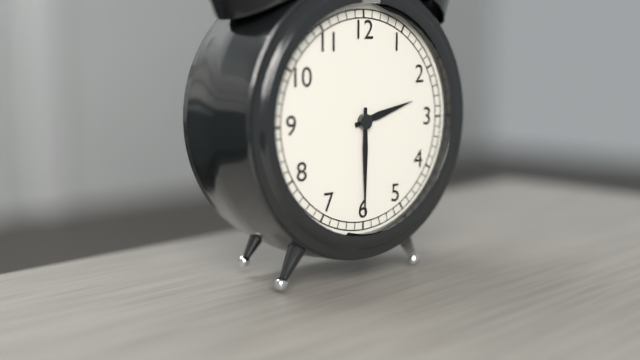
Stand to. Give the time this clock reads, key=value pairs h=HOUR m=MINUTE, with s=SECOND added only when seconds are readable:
h=2 m=30
